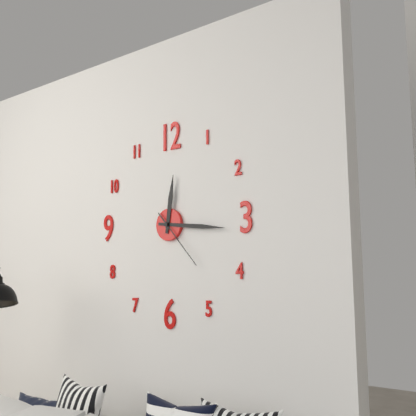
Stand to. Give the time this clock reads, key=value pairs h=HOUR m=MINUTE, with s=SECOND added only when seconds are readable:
h=12 m=16 s=23
